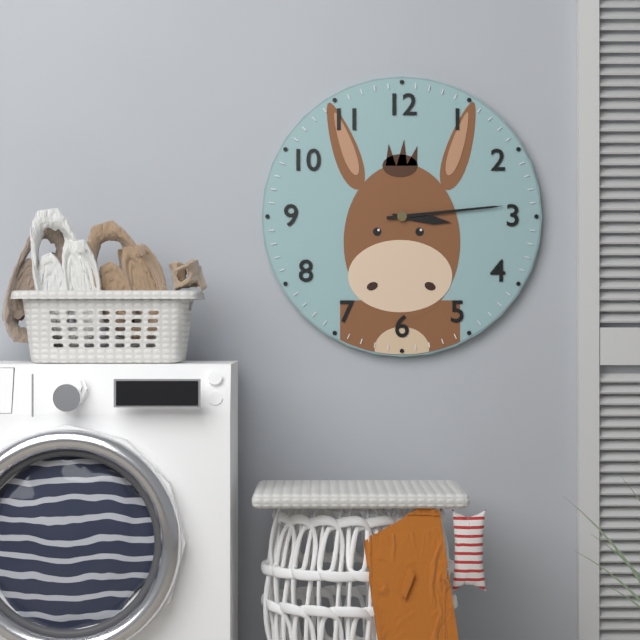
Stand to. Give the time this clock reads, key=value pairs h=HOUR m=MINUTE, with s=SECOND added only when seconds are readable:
h=3 m=14
